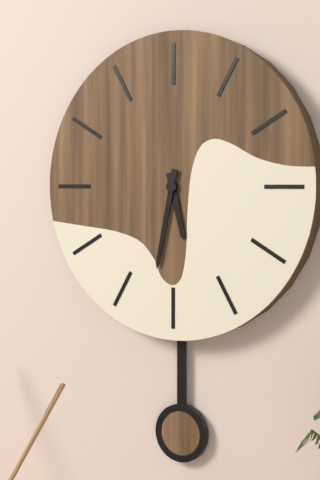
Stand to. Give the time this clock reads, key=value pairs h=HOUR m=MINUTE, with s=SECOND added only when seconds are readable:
h=5 m=32
